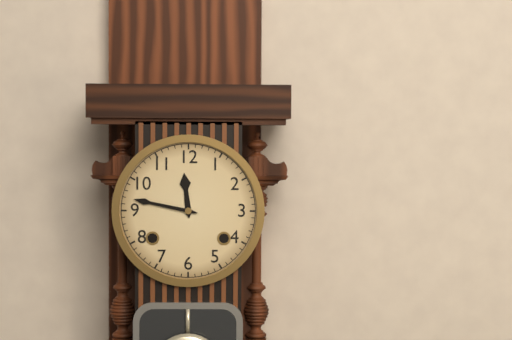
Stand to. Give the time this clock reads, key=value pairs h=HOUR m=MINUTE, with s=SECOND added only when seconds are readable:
h=11 m=47
